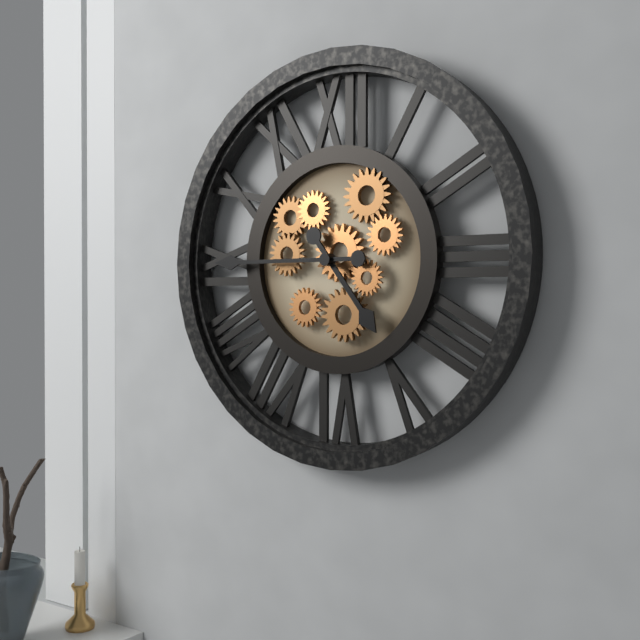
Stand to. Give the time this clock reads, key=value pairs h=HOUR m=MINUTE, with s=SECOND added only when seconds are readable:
h=4 m=45
